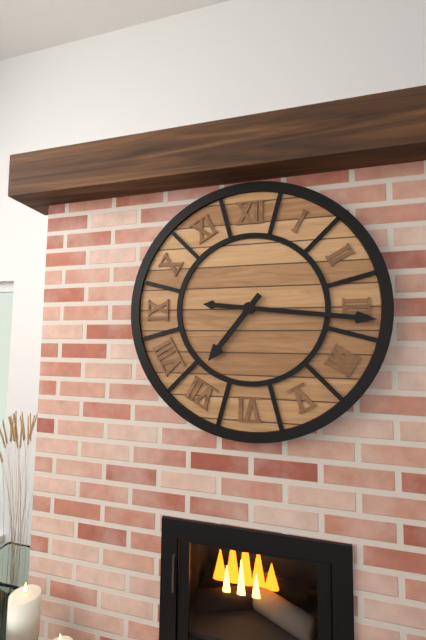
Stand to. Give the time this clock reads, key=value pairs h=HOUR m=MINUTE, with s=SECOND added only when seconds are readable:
h=7 m=16
